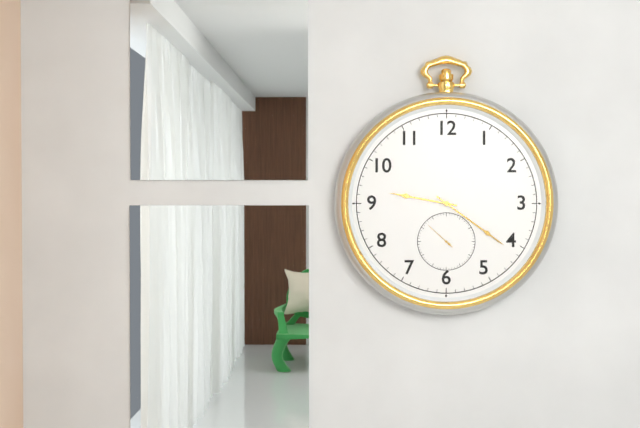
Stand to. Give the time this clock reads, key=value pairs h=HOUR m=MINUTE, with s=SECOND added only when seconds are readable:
h=9 m=21
